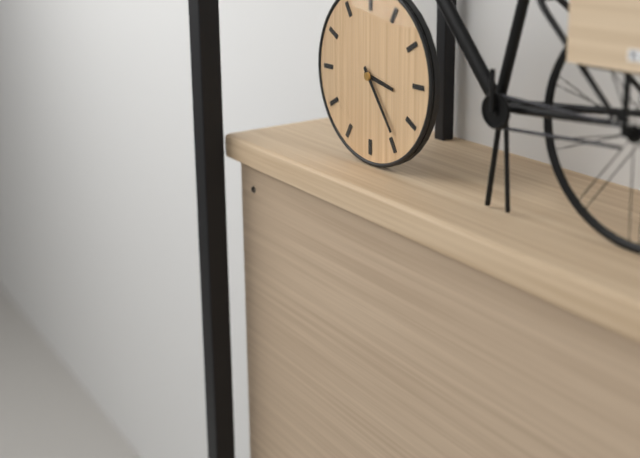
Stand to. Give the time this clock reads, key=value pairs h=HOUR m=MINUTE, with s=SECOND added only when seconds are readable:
h=3 m=24
